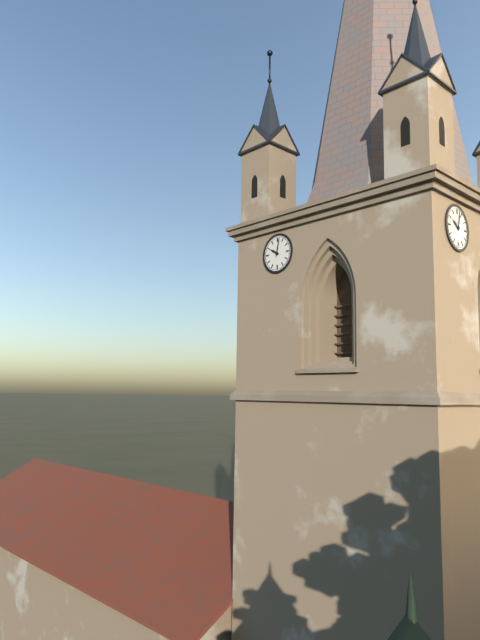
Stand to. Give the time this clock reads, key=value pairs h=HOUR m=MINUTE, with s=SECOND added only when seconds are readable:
h=10 m=2
